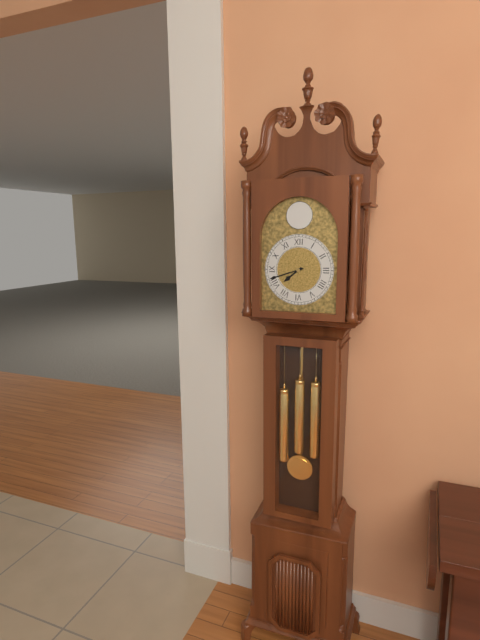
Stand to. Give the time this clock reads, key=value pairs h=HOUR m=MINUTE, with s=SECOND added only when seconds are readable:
h=7 m=42
